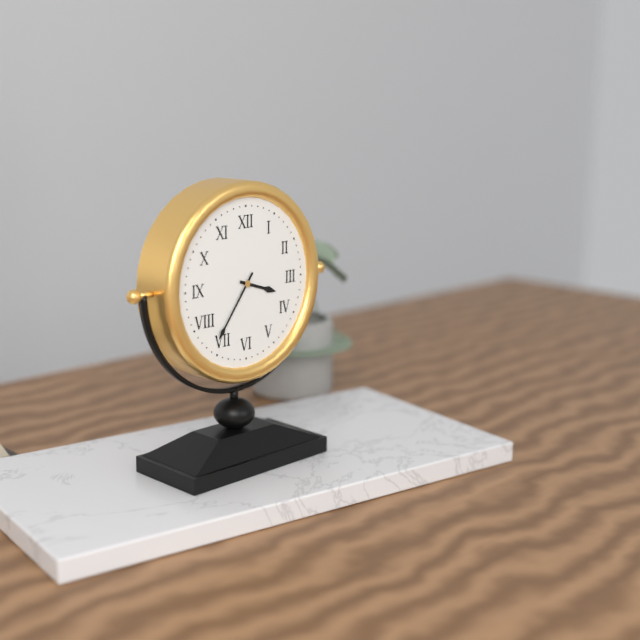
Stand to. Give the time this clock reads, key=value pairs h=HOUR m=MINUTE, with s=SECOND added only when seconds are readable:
h=3 m=36
